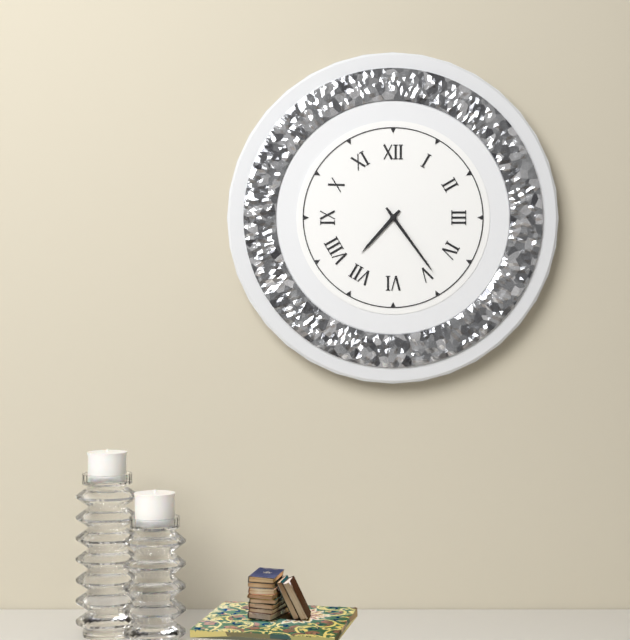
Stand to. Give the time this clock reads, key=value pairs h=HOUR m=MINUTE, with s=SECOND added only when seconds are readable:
h=7 m=24
